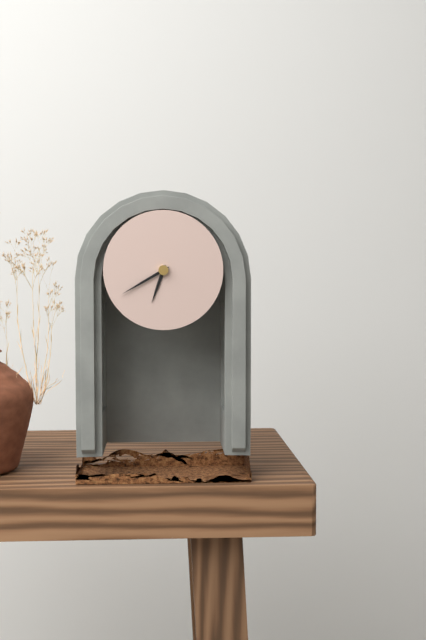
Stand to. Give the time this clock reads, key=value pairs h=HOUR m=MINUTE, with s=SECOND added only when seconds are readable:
h=6 m=40
